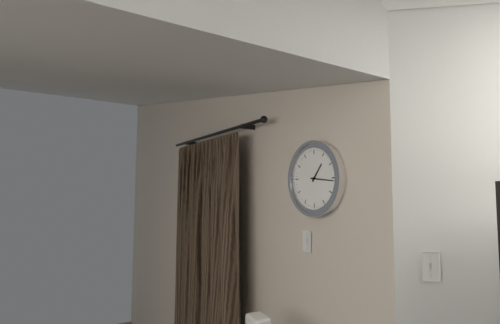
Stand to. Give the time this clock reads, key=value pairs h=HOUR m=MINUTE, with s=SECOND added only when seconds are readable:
h=1 m=16
